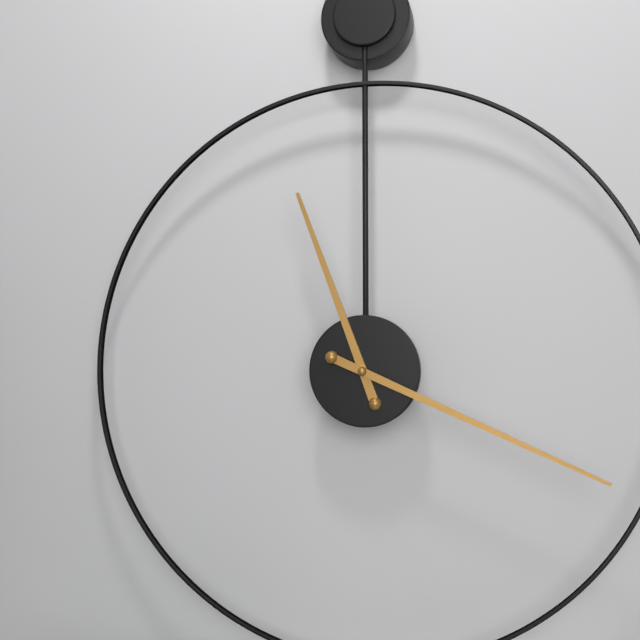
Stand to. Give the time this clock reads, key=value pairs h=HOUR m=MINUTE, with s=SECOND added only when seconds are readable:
h=11 m=19
